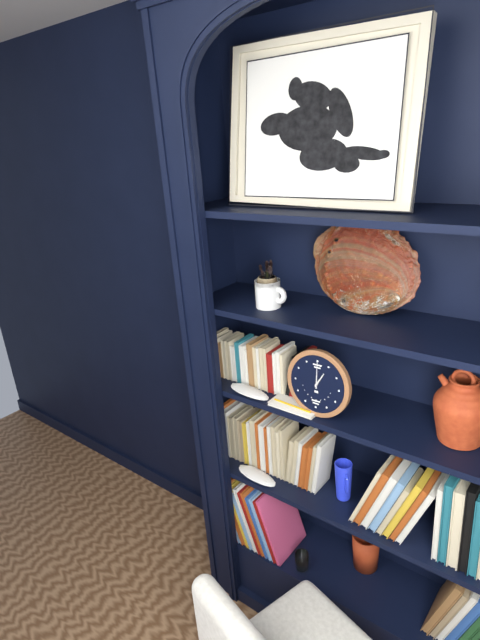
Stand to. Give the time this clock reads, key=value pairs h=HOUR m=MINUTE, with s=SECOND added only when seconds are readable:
h=1 m=0
